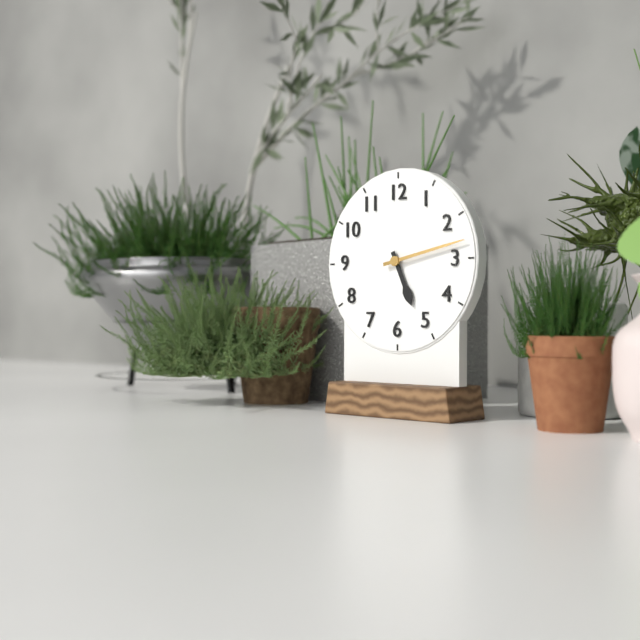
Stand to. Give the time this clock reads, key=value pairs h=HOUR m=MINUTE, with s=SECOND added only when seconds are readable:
h=5 m=13
